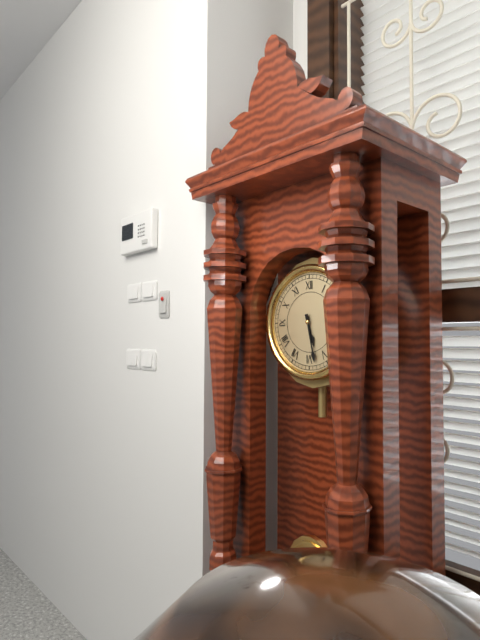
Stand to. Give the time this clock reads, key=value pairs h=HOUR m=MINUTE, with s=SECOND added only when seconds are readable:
h=5 m=28
